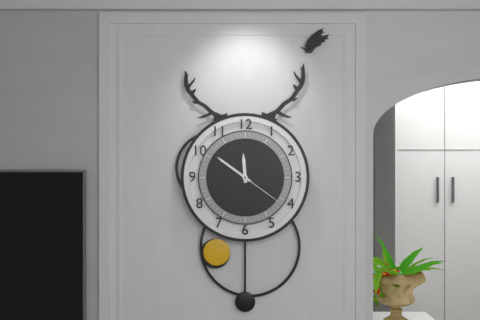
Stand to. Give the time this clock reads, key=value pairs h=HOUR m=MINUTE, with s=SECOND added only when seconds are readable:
h=11 m=51 s=21
